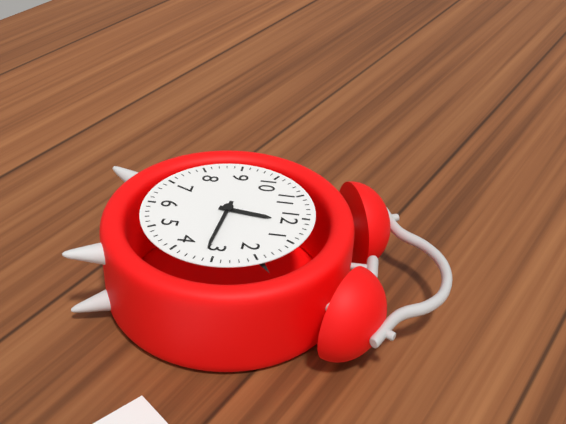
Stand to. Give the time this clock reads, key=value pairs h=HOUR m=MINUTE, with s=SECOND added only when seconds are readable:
h=12 m=16
